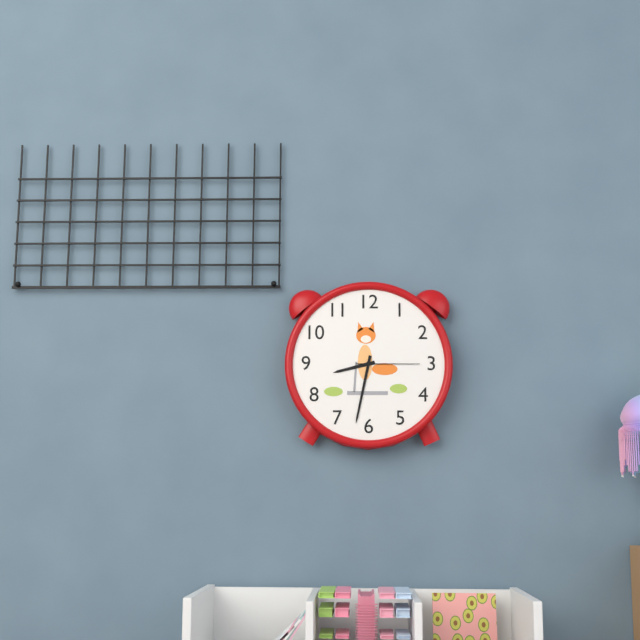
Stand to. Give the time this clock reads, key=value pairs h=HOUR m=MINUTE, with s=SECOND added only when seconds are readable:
h=8 m=32 s=15
